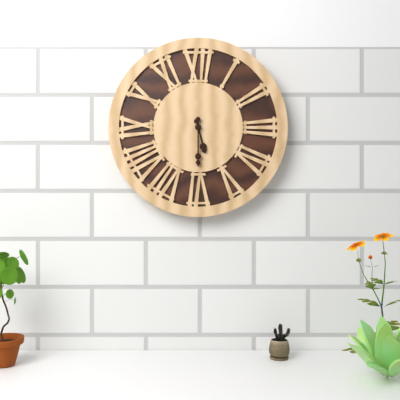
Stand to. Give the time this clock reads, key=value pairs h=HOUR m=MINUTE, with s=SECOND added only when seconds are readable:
h=5 m=30
